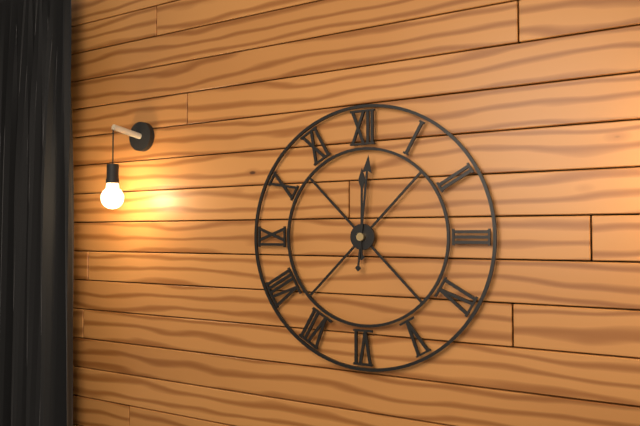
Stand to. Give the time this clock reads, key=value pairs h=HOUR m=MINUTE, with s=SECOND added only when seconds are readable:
h=12 m=1
